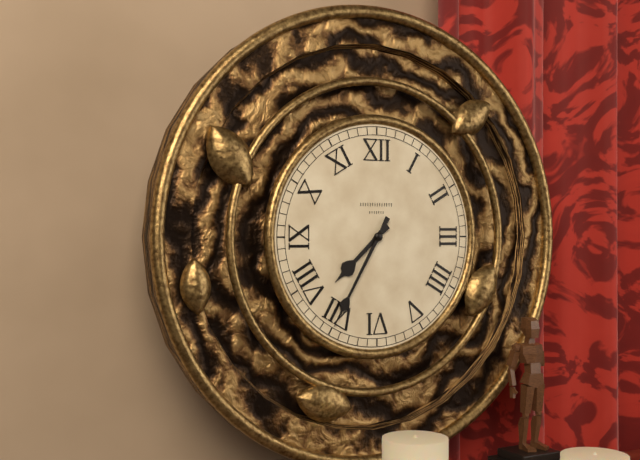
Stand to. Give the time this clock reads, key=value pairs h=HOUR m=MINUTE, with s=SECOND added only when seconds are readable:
h=7 m=35
